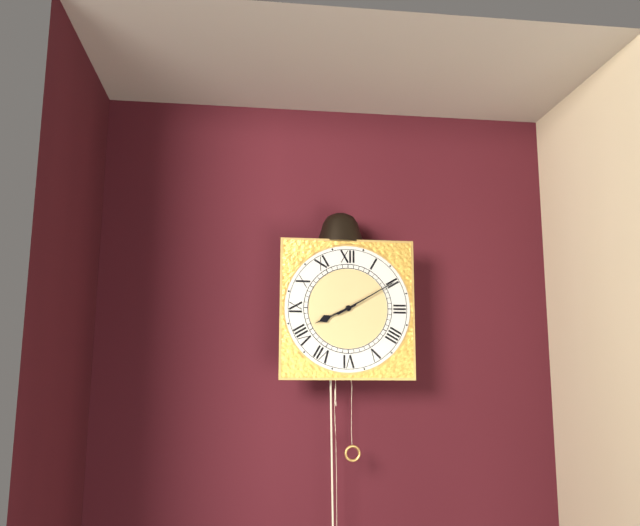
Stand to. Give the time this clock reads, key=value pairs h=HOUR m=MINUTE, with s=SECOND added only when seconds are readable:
h=8 m=10
